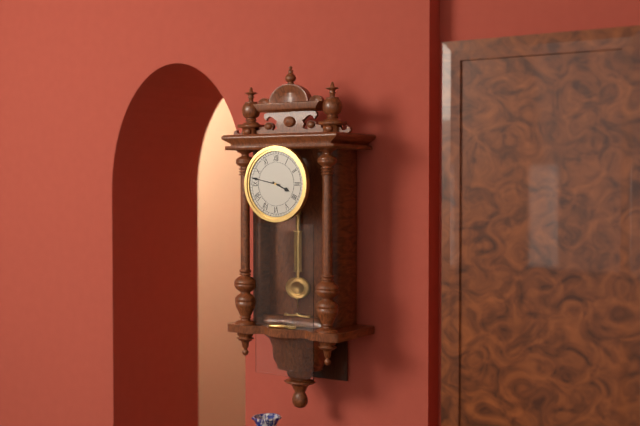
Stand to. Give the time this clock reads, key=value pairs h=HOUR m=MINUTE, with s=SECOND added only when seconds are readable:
h=3 m=47
